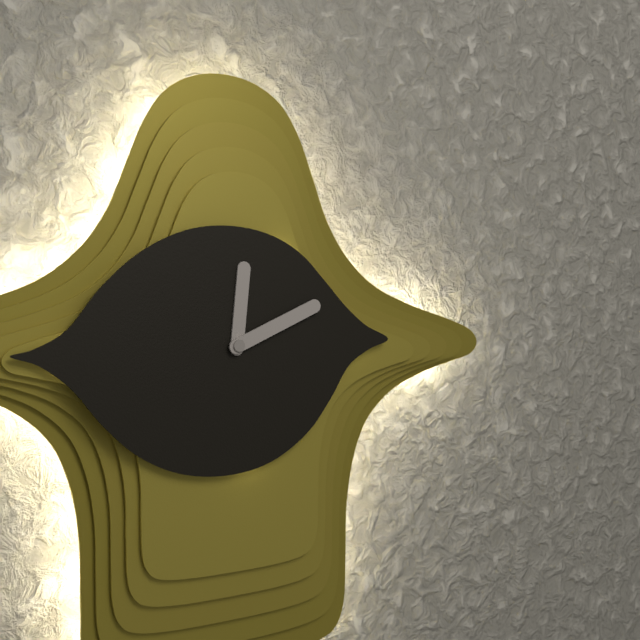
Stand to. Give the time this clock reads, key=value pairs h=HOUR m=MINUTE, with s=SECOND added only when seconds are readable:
h=12 m=11
